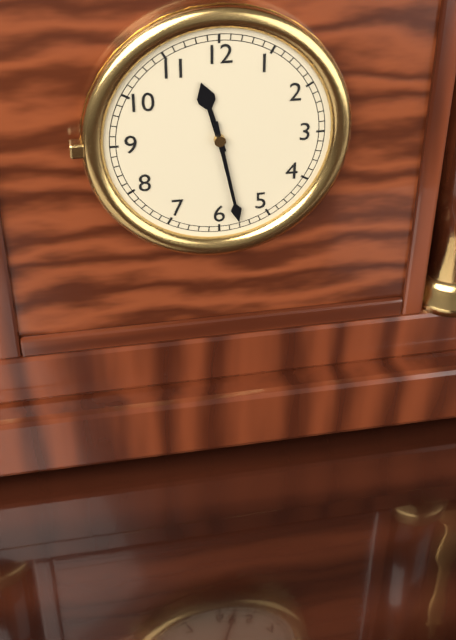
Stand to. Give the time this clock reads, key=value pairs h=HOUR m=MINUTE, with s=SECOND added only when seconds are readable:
h=11 m=28
